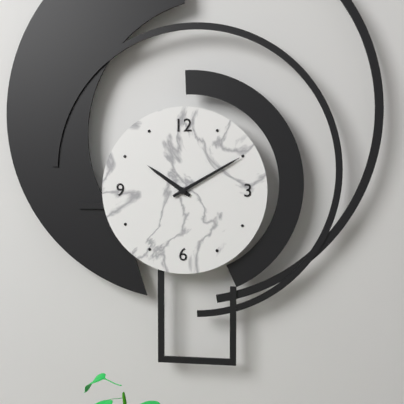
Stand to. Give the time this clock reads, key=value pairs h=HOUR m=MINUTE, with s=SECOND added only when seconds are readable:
h=10 m=10
